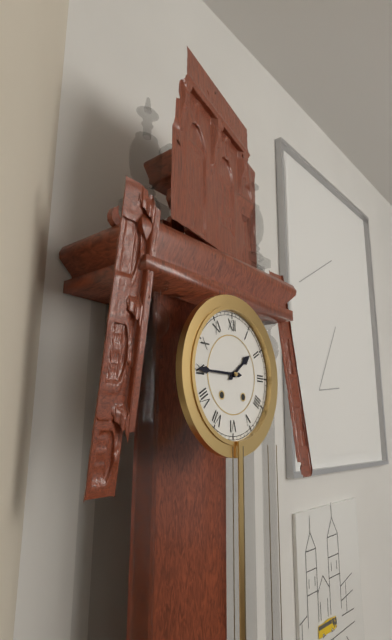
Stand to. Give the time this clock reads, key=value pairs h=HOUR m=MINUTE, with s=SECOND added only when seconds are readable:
h=1 m=45
